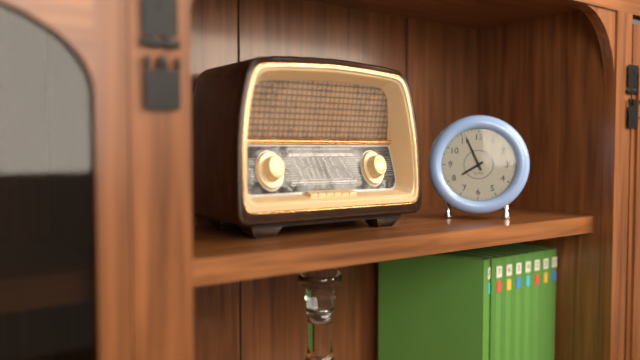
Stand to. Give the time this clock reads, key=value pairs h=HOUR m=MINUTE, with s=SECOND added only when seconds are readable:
h=7 m=56
